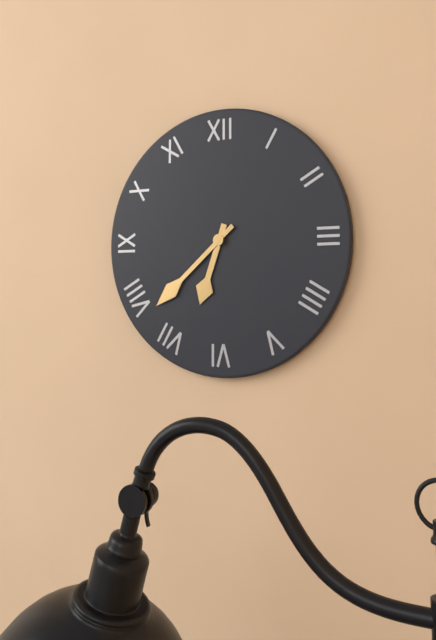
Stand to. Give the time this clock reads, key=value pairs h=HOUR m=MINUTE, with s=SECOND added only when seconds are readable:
h=6 m=38
